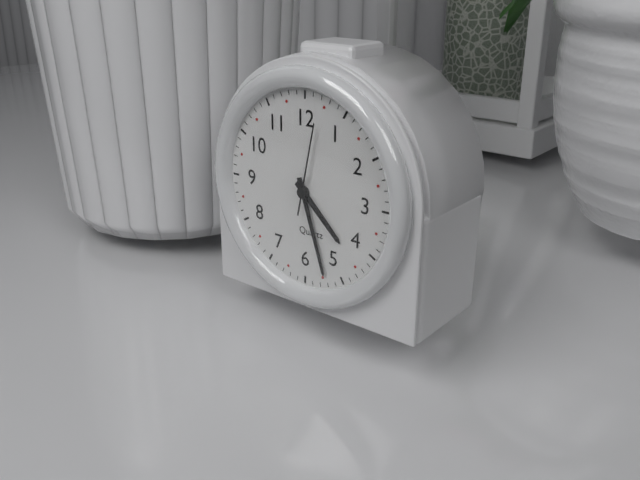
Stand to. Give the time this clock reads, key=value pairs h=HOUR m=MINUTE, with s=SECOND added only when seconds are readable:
h=4 m=27 s=2
